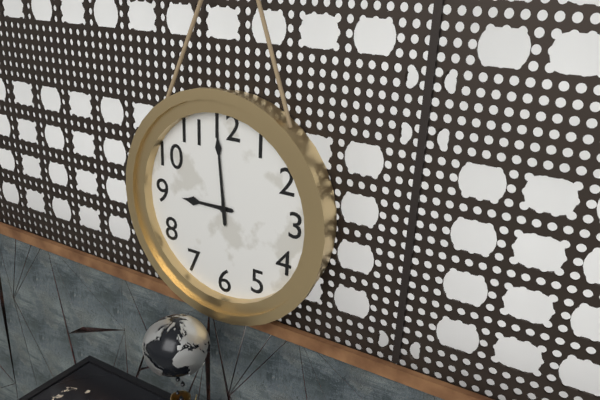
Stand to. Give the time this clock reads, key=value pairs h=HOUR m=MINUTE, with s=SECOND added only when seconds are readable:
h=8 m=59
